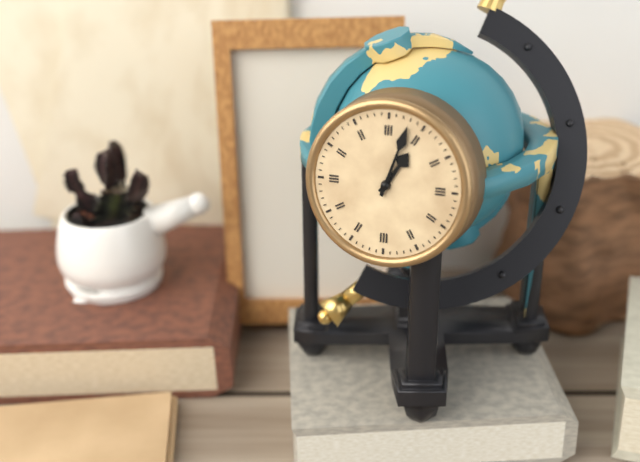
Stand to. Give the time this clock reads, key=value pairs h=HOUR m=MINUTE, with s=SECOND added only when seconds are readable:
h=1 m=3
